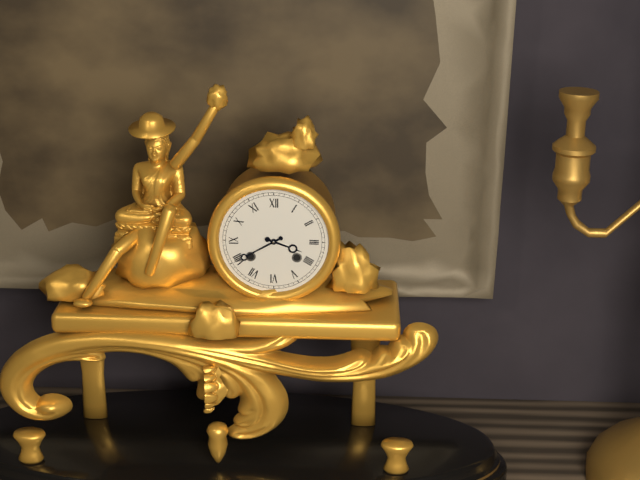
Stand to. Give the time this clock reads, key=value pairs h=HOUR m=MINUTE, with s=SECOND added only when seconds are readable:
h=3 m=40
